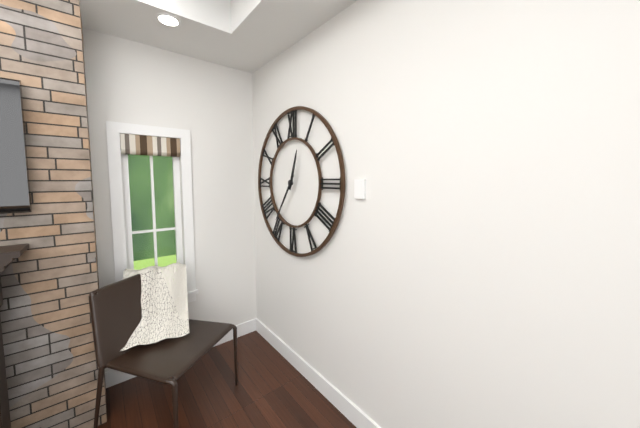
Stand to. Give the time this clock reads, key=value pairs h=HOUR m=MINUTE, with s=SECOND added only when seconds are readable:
h=12 m=36
